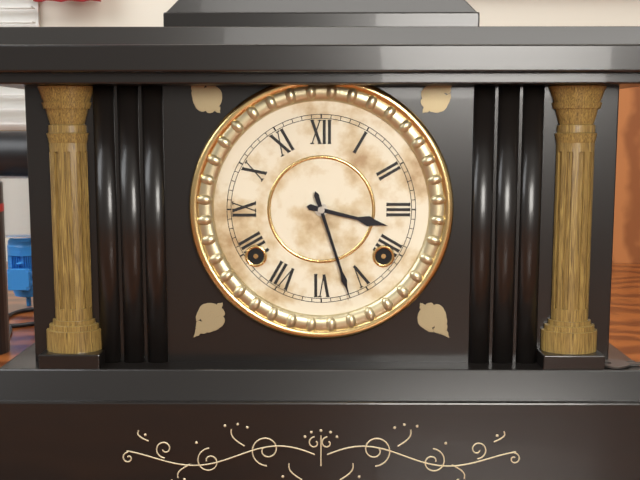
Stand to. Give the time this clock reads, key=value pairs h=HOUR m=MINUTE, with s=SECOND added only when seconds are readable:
h=3 m=27
